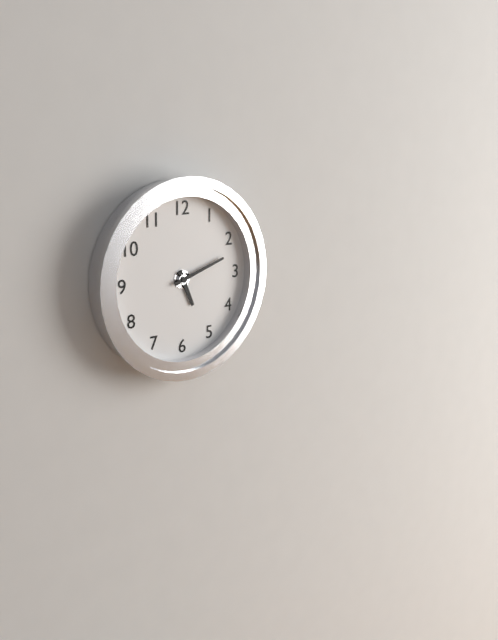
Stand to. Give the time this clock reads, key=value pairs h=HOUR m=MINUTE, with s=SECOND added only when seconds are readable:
h=5 m=12
